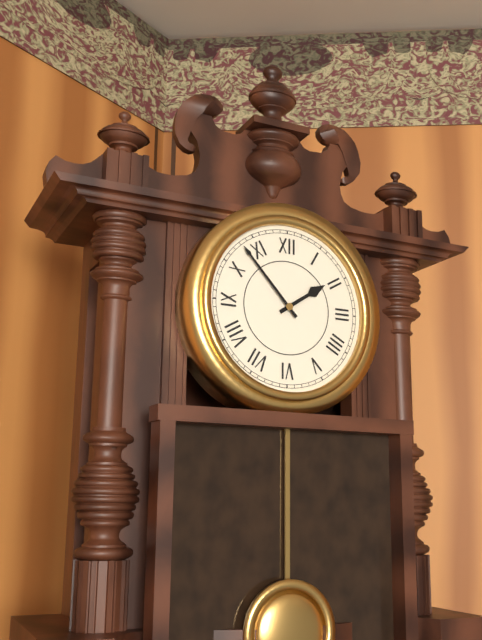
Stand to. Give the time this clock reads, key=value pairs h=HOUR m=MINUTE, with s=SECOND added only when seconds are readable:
h=1 m=53
